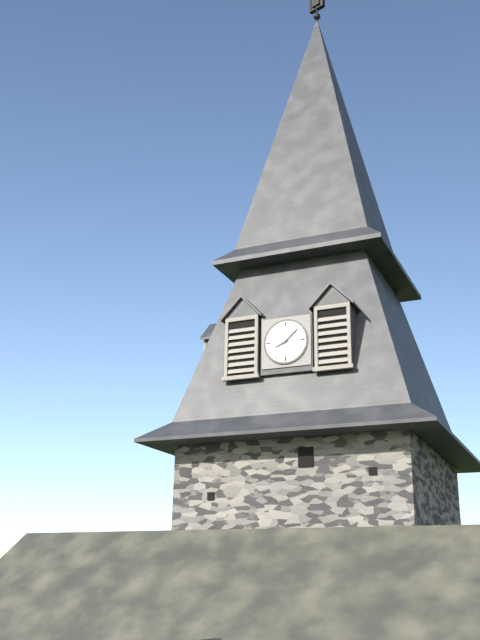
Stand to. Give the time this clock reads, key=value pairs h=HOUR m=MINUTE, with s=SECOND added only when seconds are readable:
h=8 m=8
